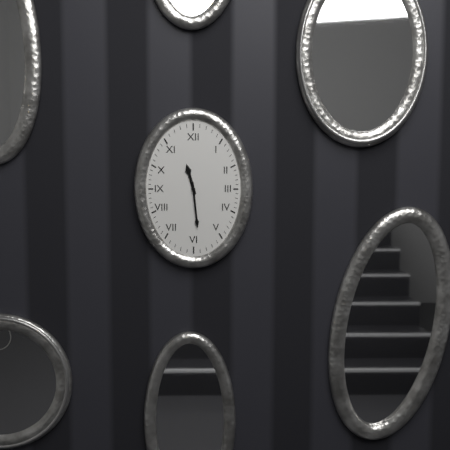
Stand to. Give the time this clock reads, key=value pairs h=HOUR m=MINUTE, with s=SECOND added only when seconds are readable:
h=11 m=29
